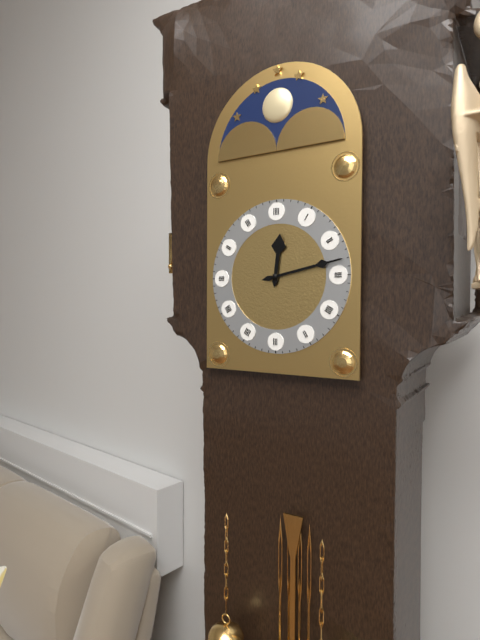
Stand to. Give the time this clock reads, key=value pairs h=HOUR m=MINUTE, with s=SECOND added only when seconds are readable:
h=12 m=13
